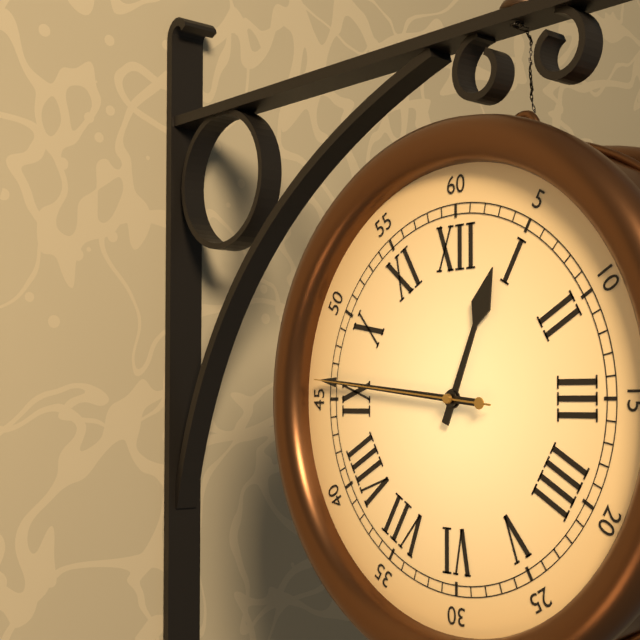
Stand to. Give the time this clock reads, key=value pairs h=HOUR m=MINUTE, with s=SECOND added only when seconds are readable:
h=12 m=46 s=46
